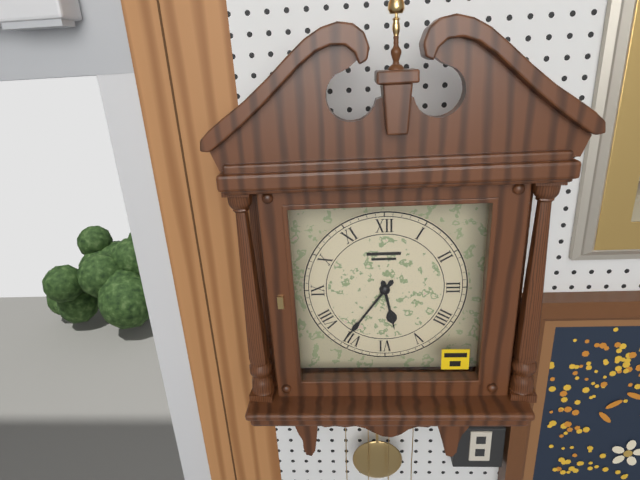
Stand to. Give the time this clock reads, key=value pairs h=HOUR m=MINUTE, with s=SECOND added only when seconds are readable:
h=5 m=36
